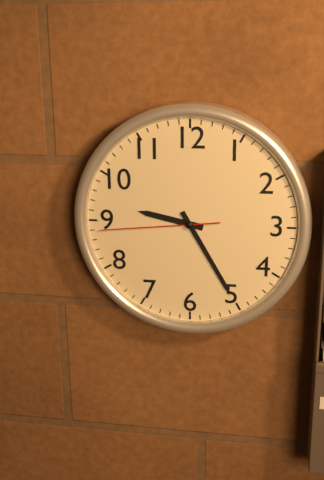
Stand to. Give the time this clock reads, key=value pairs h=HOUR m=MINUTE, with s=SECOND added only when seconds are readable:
h=9 m=25 s=44
